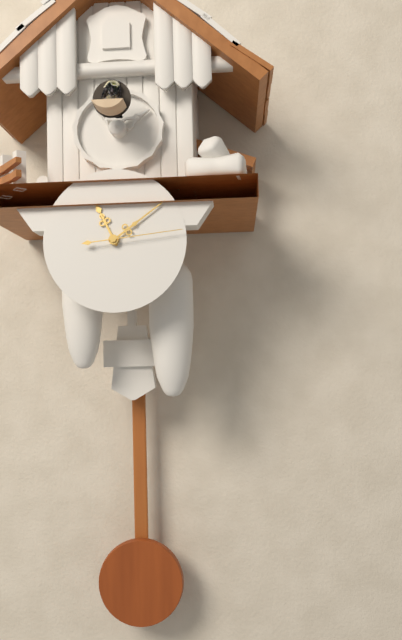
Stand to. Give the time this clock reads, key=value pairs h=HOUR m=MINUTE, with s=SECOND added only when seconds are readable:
h=11 m=9 s=14
